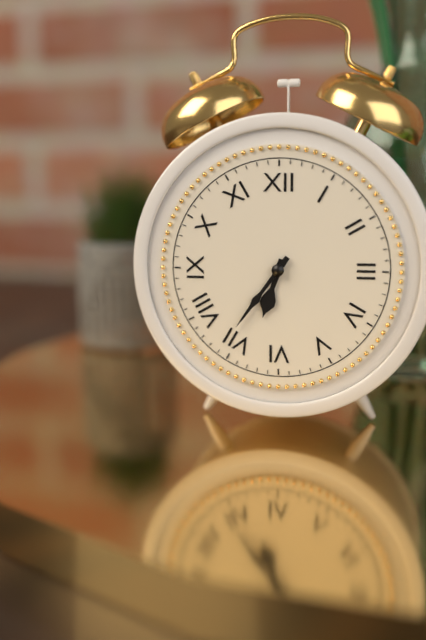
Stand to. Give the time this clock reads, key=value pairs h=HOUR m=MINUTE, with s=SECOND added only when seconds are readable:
h=6 m=36
